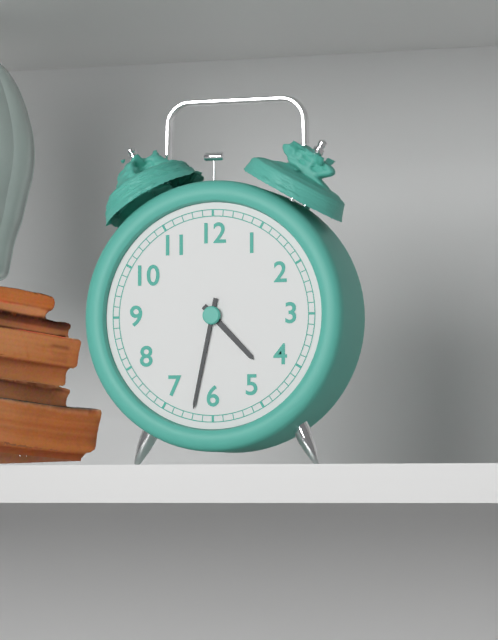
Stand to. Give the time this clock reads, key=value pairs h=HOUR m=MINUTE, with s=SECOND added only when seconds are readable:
h=4 m=32
